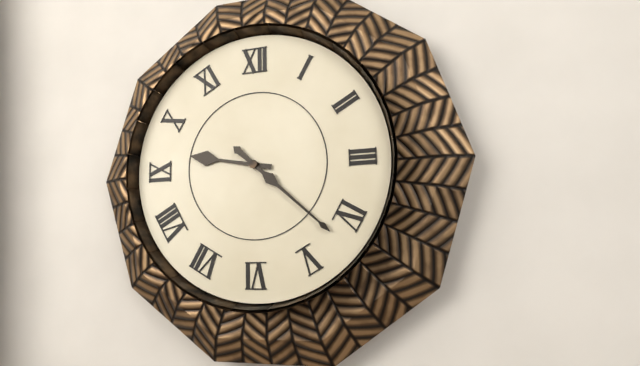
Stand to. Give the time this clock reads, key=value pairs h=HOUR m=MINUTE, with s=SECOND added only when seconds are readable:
h=9 m=22
